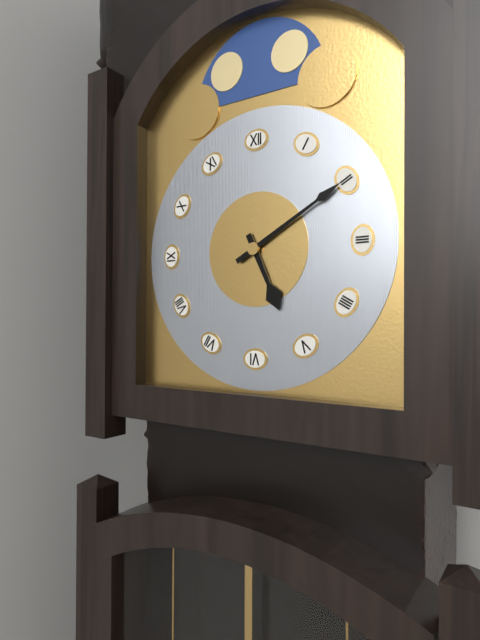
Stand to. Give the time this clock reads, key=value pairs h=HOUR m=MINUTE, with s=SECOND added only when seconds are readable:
h=5 m=10
